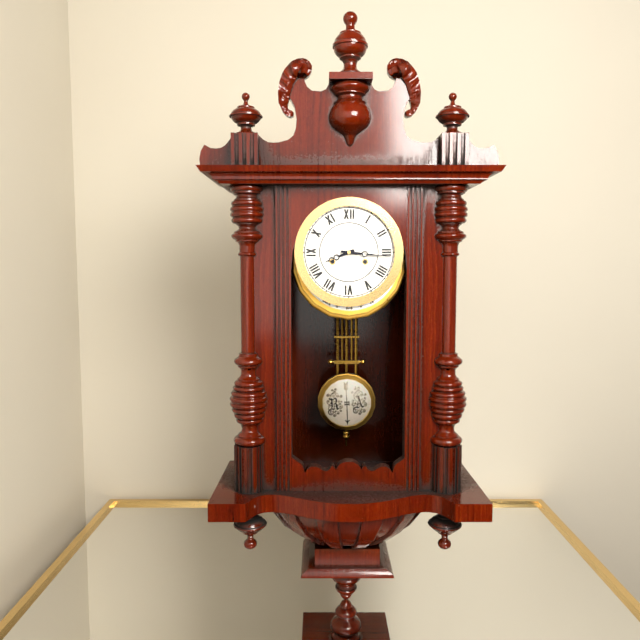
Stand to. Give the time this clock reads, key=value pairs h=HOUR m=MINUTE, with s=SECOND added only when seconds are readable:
h=8 m=16
